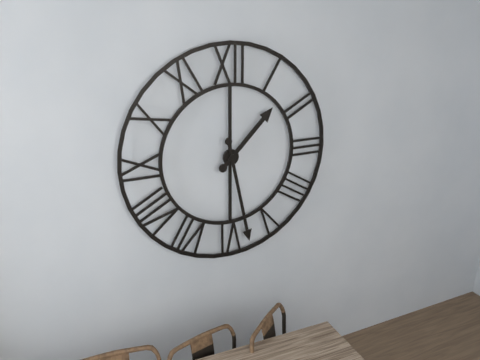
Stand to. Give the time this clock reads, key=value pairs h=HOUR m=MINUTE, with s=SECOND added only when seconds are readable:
h=1 m=28
